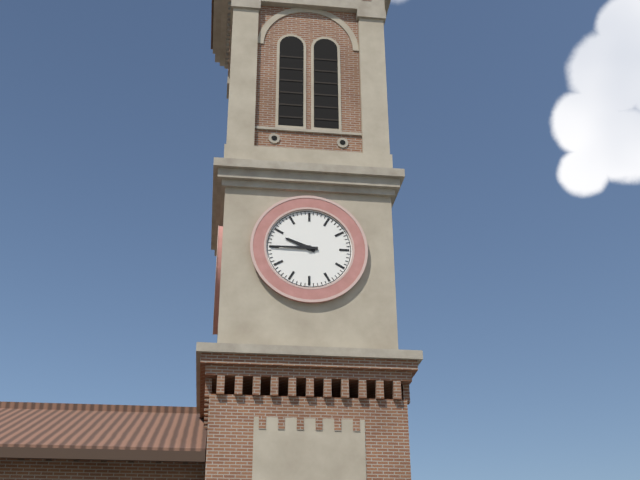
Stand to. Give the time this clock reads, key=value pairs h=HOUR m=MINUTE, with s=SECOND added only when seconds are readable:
h=9 m=45
